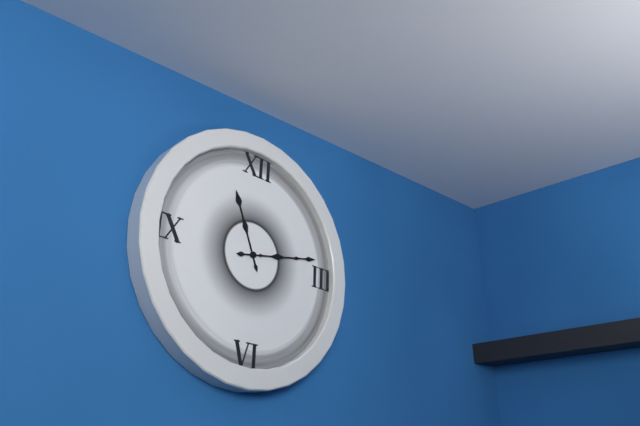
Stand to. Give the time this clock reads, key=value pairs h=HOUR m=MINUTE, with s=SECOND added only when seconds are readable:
h=11 m=13
